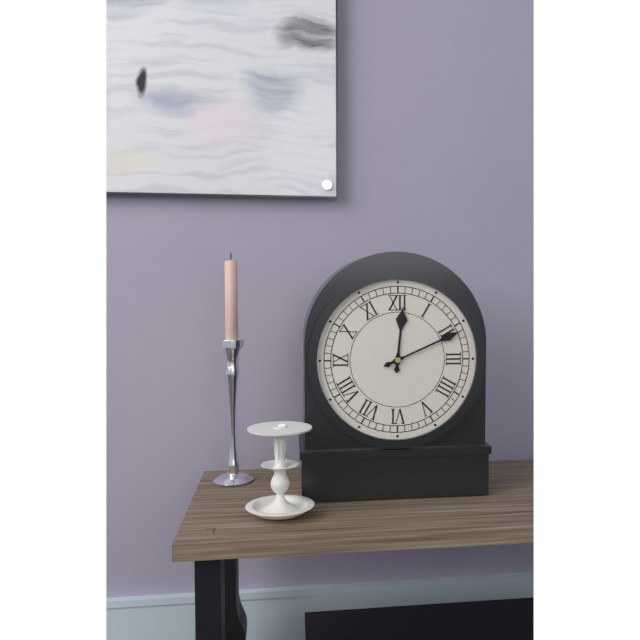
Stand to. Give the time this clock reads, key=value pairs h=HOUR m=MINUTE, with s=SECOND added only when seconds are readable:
h=12 m=11
